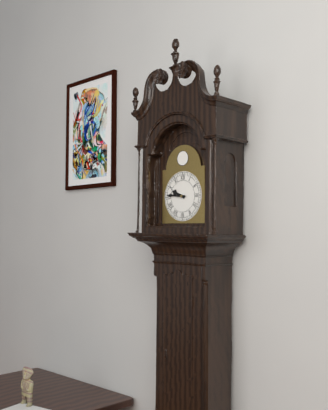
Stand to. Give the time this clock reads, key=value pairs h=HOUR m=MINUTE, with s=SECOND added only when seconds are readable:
h=9 m=46
